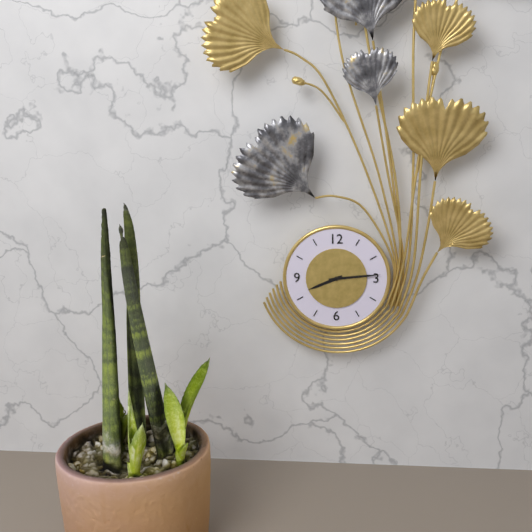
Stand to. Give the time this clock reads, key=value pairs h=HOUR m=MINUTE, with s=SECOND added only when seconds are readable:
h=8 m=14
